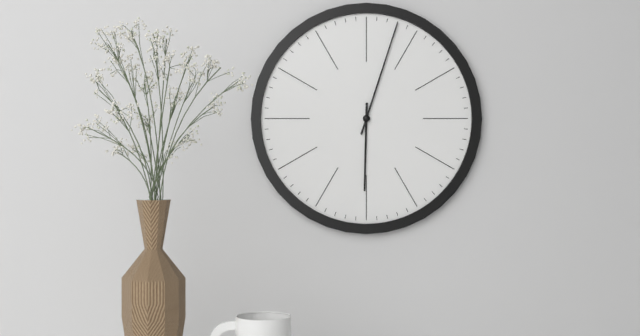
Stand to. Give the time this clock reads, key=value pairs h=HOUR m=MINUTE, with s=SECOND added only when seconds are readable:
h=6 m=3
